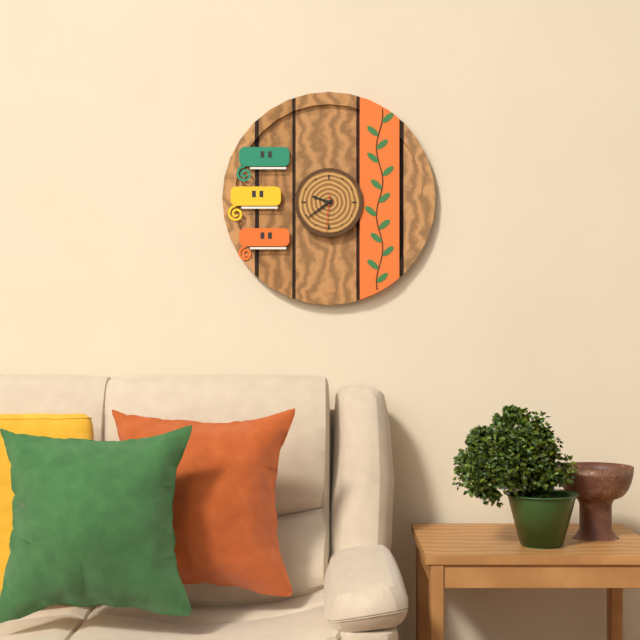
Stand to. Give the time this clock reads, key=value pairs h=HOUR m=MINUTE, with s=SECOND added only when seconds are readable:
h=9 m=39
